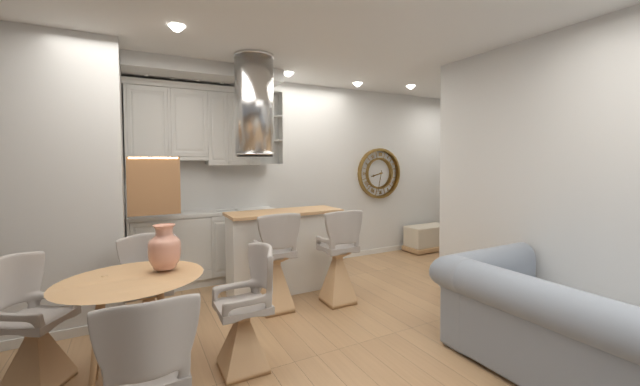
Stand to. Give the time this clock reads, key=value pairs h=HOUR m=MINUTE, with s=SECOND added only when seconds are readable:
h=8 m=32
